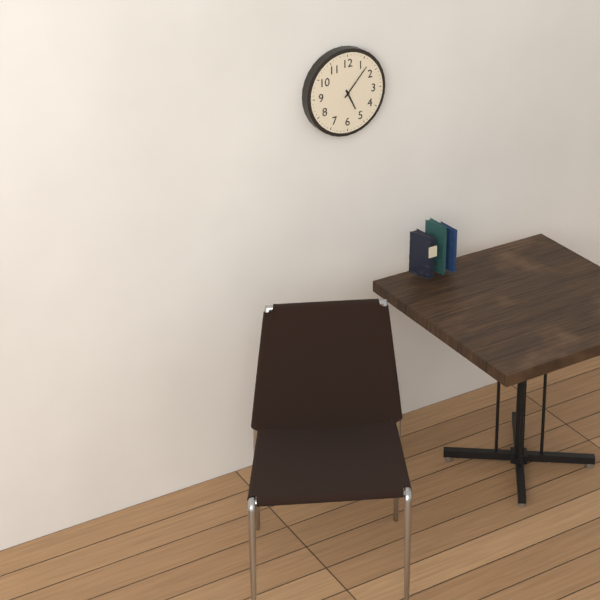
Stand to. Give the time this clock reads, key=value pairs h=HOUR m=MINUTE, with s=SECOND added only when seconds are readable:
h=5 m=7
